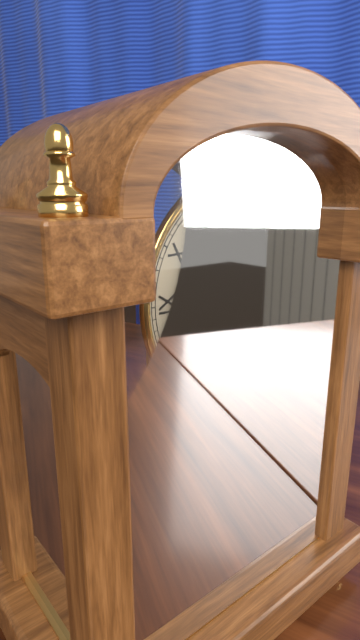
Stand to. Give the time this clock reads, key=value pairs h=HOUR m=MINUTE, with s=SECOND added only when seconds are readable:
h=8 m=1
